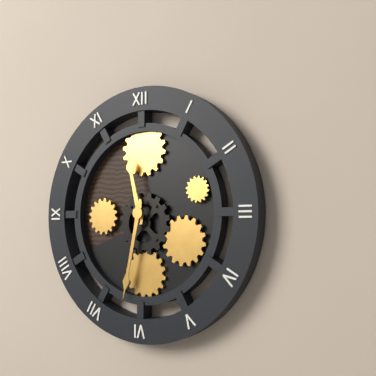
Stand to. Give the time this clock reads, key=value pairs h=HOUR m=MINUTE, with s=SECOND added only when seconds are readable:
h=11 m=32
